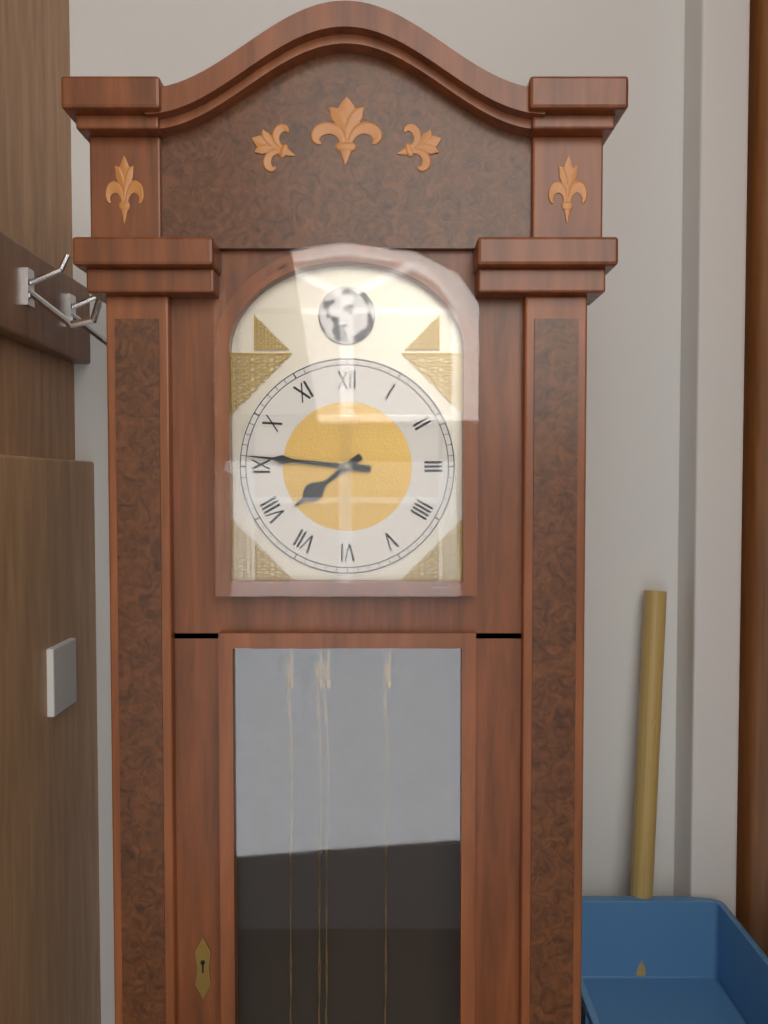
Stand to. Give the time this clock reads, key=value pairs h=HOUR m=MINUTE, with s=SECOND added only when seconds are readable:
h=7 m=46
